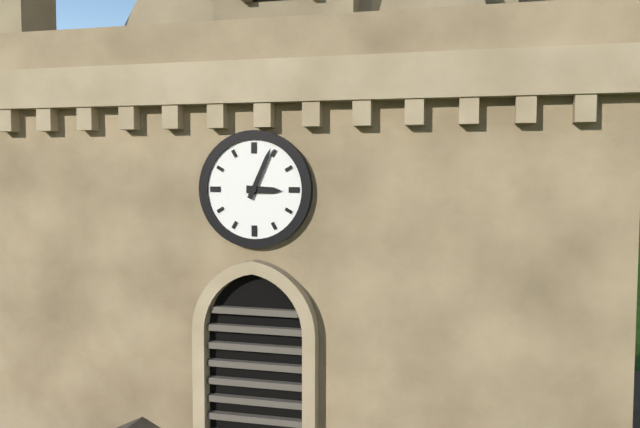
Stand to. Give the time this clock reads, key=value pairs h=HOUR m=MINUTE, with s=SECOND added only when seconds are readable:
h=3 m=4
